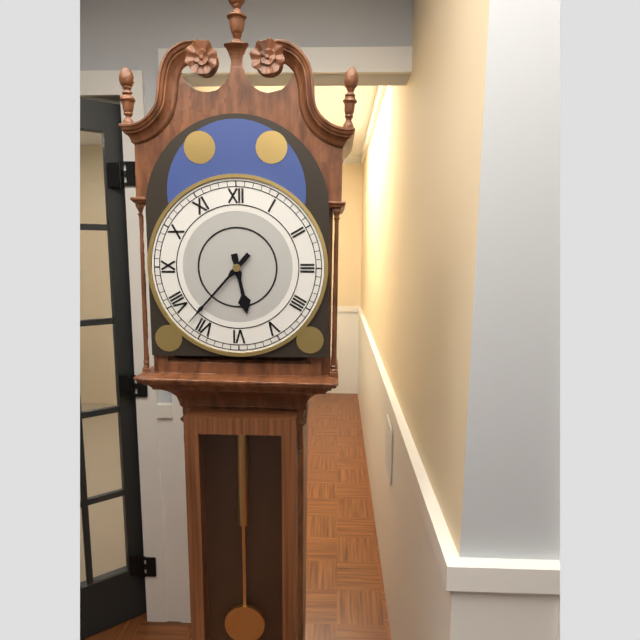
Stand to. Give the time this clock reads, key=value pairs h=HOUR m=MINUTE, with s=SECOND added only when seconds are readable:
h=5 m=37
